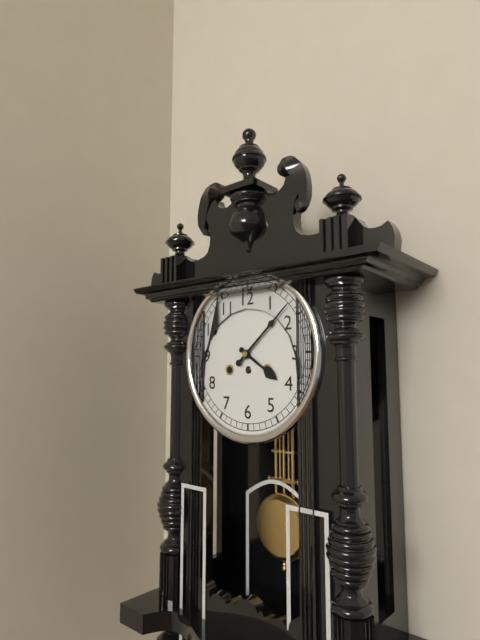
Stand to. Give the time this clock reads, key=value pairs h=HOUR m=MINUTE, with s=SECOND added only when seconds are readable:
h=4 m=8
